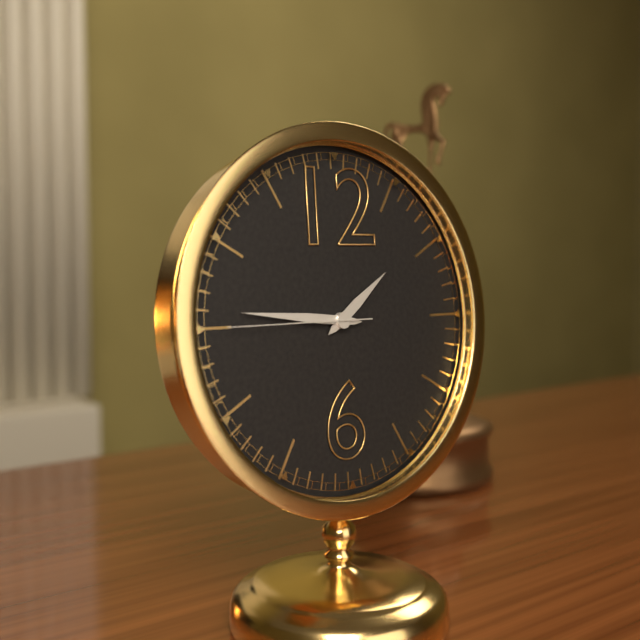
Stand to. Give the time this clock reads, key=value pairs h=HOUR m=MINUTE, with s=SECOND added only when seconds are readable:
h=1 m=46 s=45
